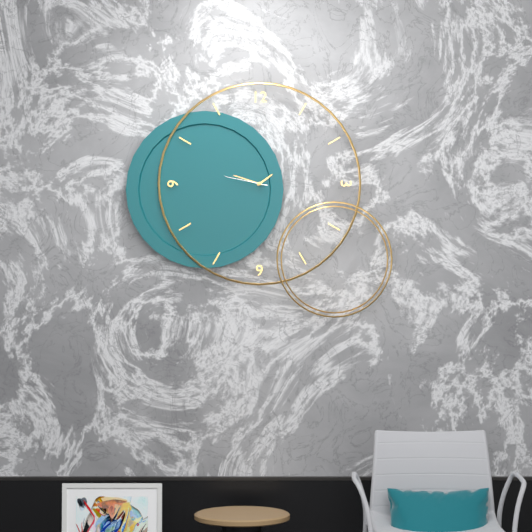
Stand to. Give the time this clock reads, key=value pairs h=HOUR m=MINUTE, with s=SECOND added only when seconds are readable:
h=1 m=48
